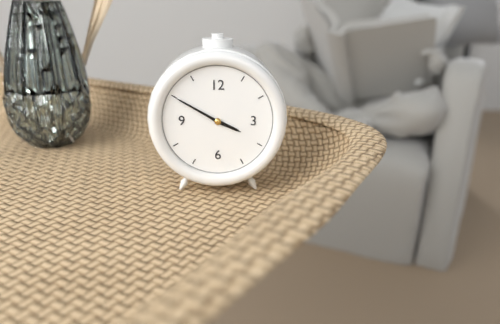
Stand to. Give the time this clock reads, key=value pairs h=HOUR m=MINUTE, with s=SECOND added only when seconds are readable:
h=3 m=50
